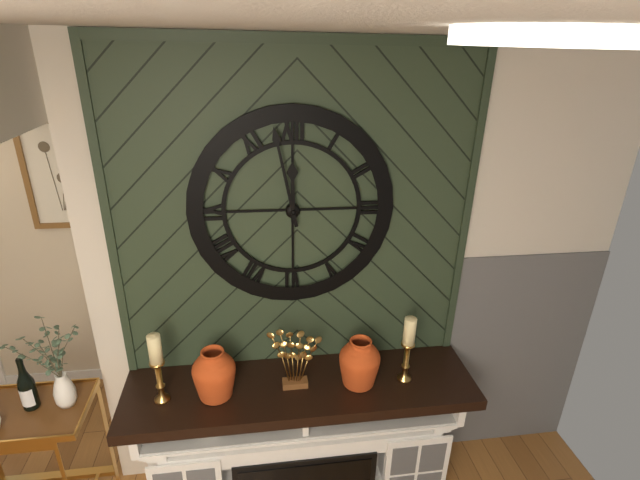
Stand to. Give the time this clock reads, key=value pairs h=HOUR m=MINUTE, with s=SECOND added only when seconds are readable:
h=11 m=58
